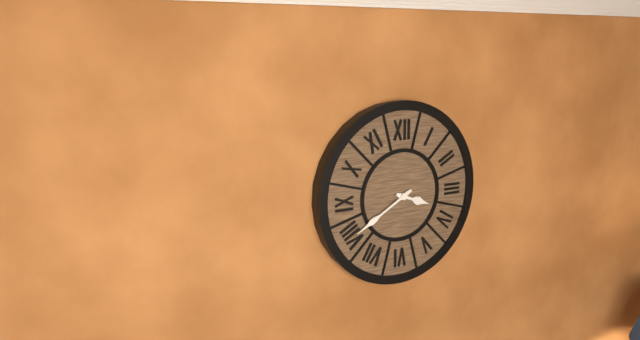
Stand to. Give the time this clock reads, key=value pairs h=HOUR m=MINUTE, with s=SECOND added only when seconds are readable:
h=3 m=40
